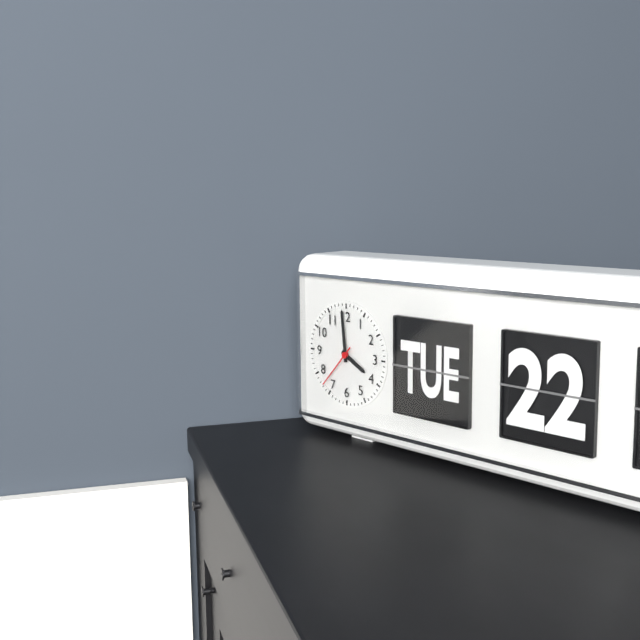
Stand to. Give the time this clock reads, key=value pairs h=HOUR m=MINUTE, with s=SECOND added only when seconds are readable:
h=3 m=59 s=37
